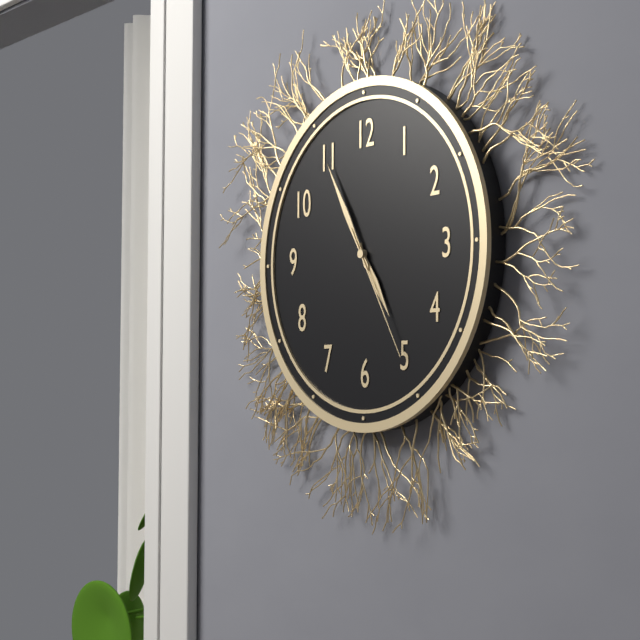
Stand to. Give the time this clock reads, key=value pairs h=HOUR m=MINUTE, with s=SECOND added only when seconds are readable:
h=4 m=55 s=25
